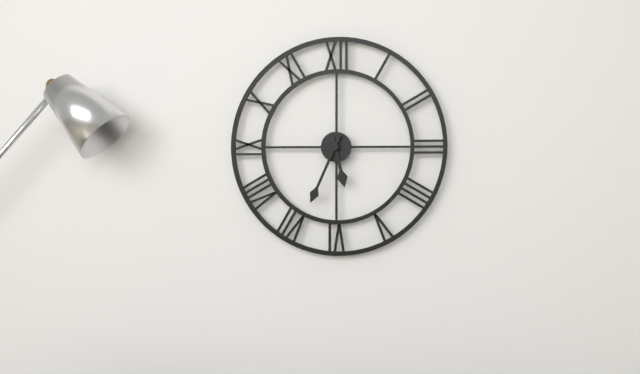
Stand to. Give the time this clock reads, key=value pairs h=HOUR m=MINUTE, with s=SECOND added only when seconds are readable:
h=5 m=34
